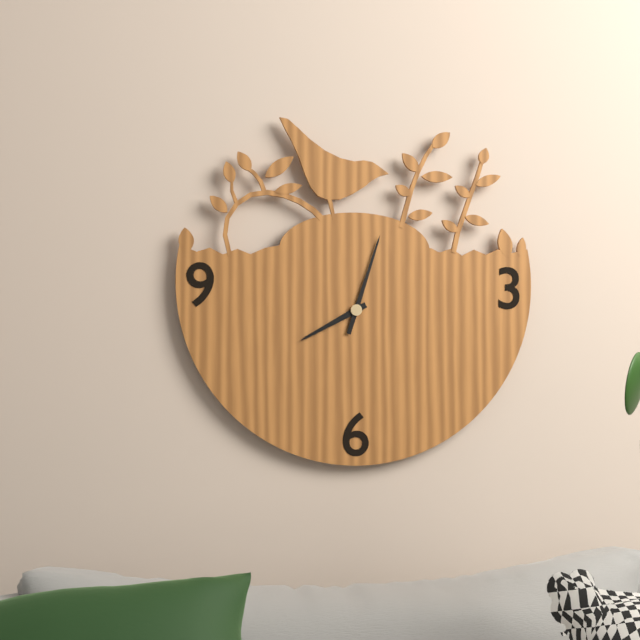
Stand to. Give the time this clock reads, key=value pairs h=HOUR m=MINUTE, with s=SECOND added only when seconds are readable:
h=8 m=3
